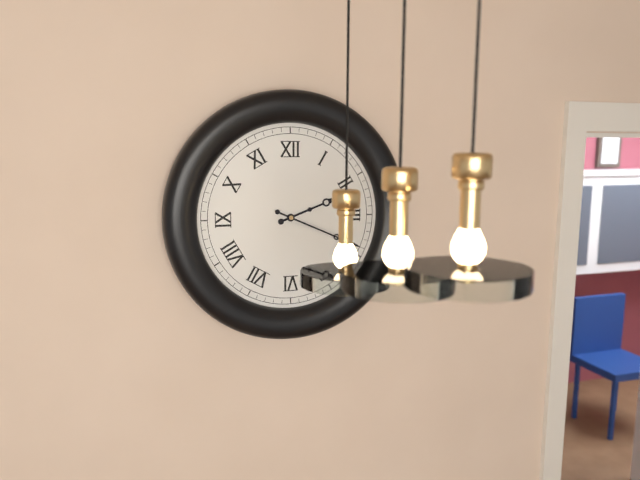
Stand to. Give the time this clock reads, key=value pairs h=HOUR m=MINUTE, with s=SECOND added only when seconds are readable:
h=2 m=19
